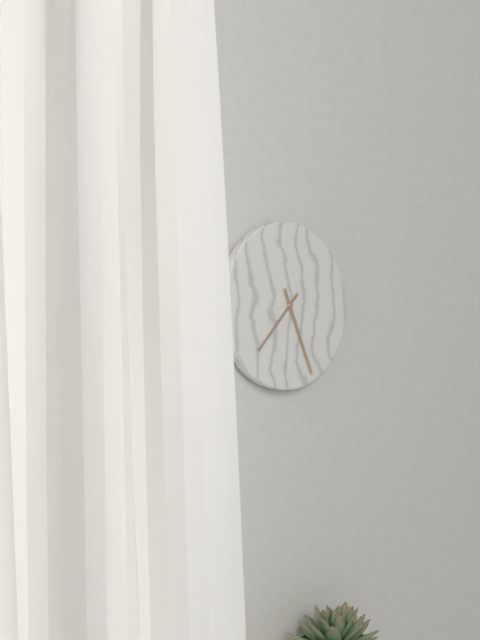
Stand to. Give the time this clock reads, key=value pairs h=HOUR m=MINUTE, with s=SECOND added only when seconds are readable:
h=7 m=26
